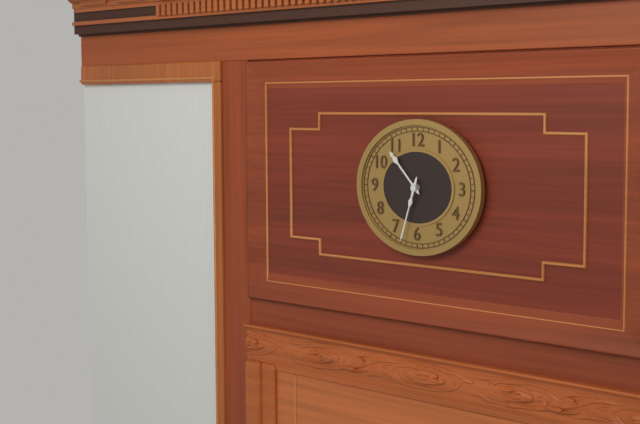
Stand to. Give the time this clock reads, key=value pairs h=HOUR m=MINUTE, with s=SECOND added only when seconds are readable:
h=10 m=33
